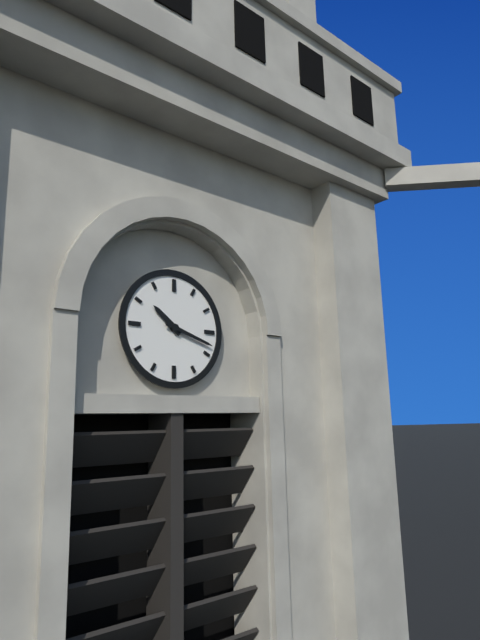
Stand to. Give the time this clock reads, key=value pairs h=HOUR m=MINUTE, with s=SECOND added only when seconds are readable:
h=10 m=18
